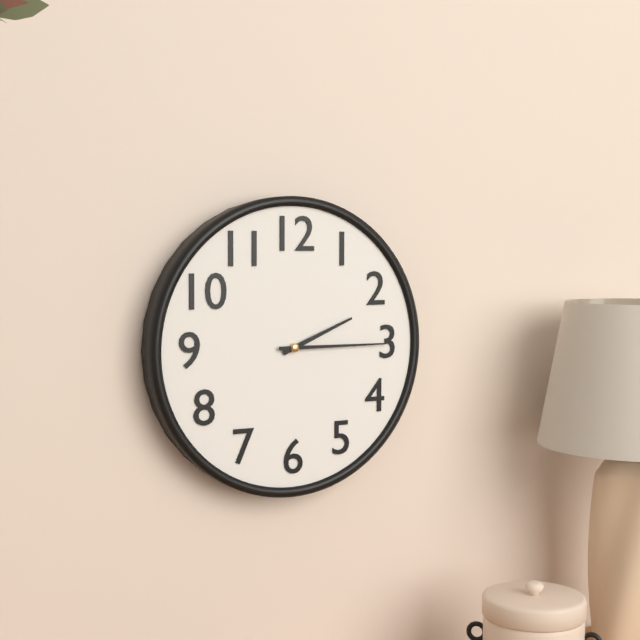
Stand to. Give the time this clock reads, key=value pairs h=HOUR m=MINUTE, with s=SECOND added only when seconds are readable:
h=2 m=15
